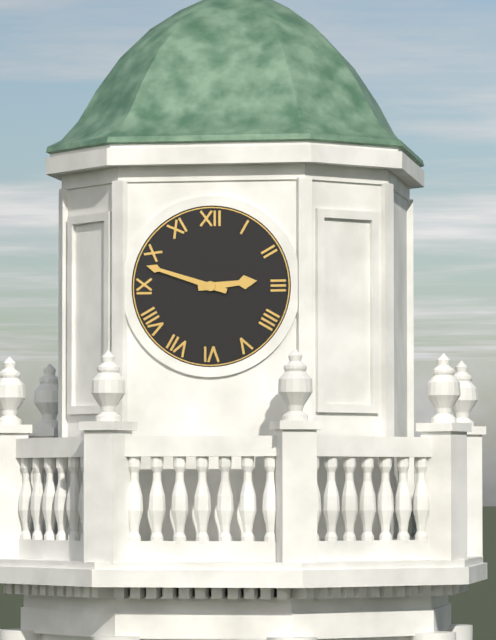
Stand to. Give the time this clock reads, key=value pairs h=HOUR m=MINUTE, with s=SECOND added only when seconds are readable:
h=2 m=48
